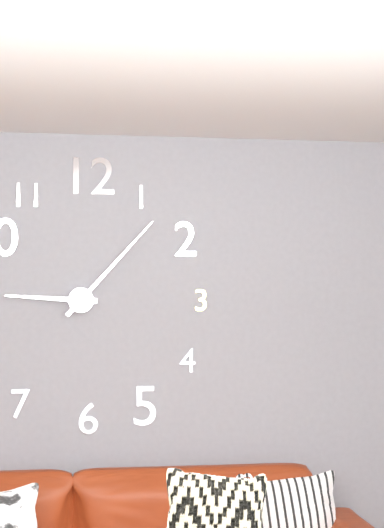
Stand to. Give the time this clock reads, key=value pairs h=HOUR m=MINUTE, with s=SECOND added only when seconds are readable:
h=9 m=7
